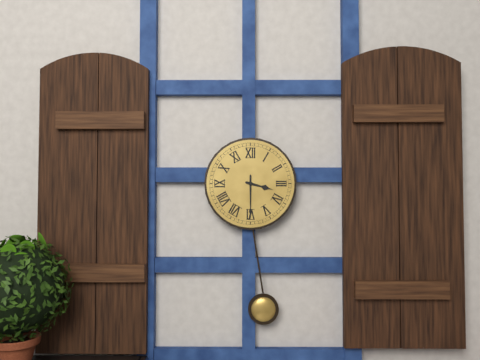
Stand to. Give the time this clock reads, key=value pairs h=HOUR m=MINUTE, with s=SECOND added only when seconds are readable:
h=3 m=30
